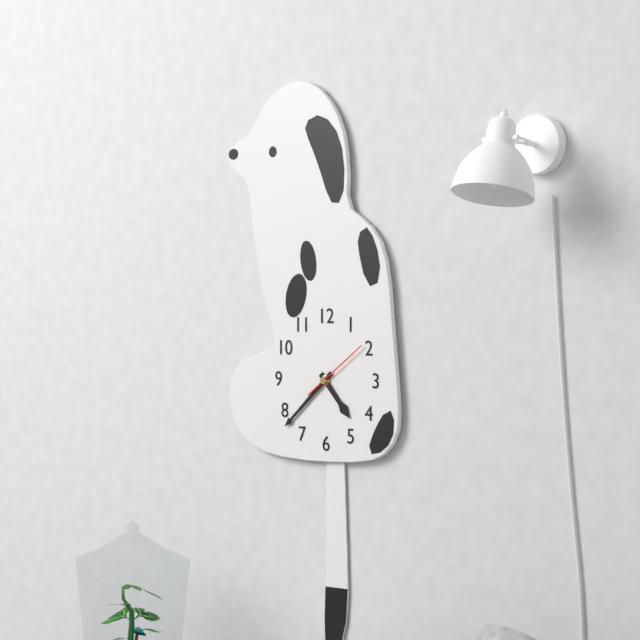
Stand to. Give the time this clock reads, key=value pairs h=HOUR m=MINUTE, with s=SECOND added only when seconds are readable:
h=4 m=38 s=9
